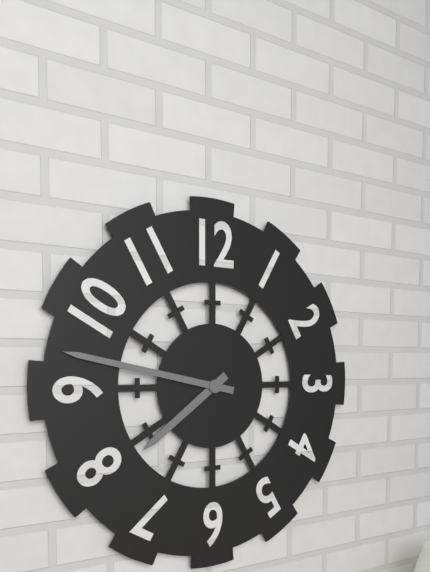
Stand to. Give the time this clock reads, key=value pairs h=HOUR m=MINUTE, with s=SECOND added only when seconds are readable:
h=7 m=47
